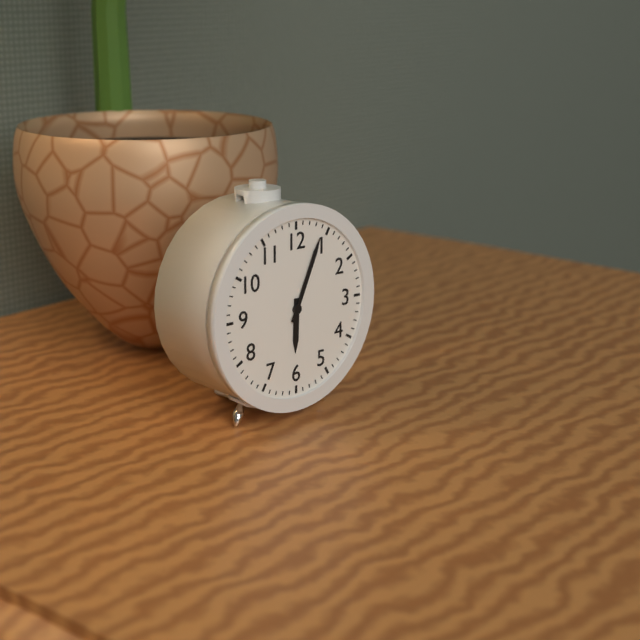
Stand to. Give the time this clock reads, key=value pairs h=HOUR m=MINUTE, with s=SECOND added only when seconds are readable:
h=6 m=4
